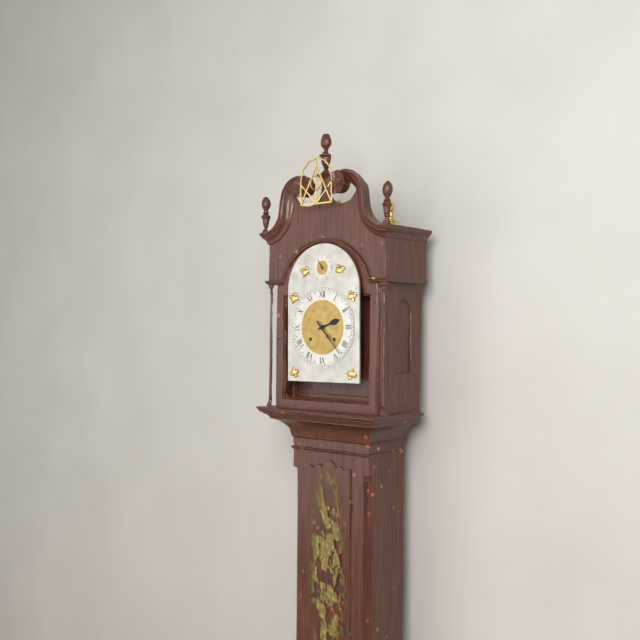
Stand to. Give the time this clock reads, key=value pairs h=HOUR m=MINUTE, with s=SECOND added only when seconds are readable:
h=2 m=23
